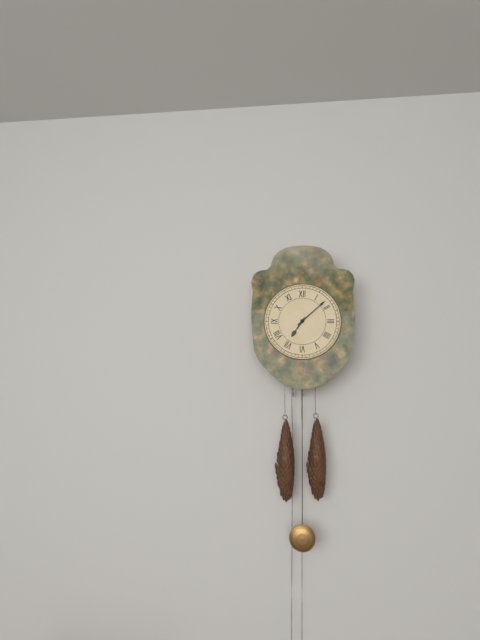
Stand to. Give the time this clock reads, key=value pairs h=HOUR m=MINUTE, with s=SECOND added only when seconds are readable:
h=7 m=8
